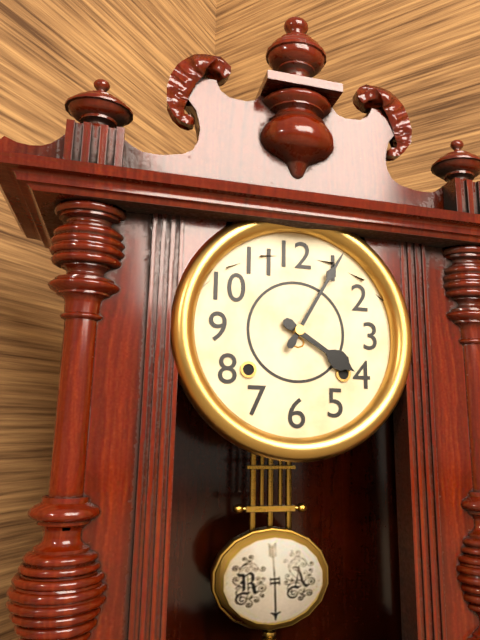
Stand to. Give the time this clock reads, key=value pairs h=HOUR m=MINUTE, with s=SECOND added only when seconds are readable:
h=4 m=5
